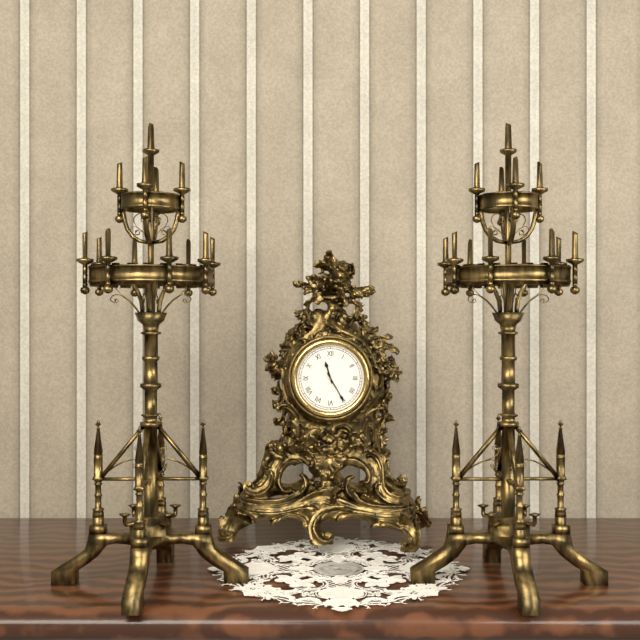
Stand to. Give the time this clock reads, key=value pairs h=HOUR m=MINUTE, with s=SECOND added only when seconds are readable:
h=11 m=25
